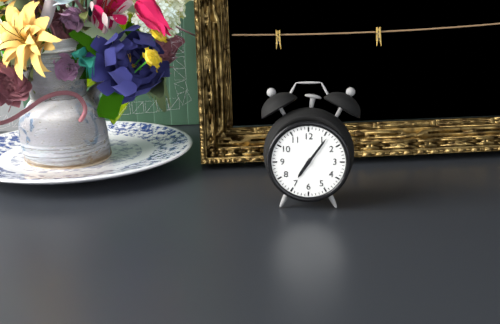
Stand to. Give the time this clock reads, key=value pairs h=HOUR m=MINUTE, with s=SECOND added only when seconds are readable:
h=7 m=6
